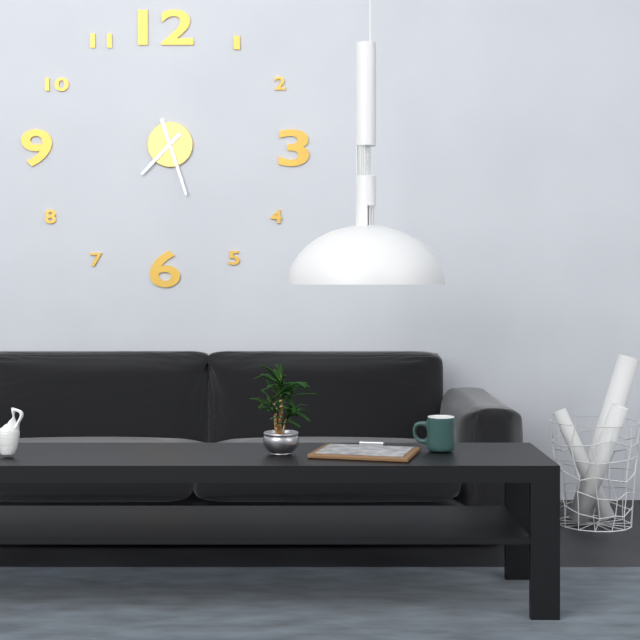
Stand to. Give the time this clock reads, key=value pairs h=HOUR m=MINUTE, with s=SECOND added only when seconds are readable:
h=7 m=27
